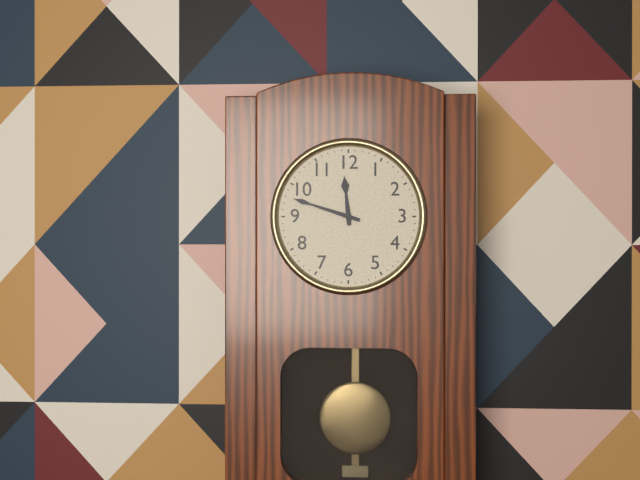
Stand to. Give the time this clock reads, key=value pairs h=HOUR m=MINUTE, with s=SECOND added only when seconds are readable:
h=11 m=48
